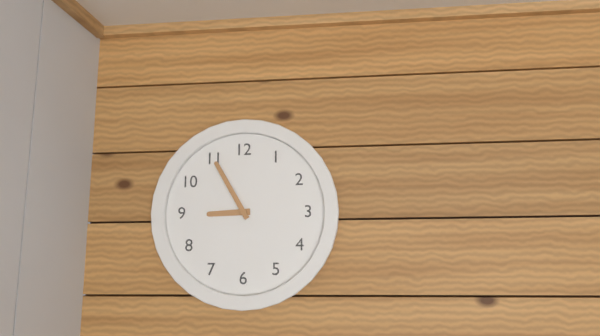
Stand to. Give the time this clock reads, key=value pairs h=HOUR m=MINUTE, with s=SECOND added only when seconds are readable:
h=8 m=55
